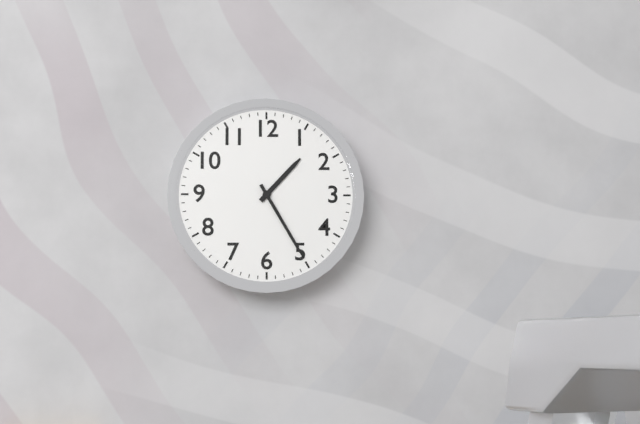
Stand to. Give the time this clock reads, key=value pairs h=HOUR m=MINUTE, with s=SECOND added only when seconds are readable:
h=1 m=25
